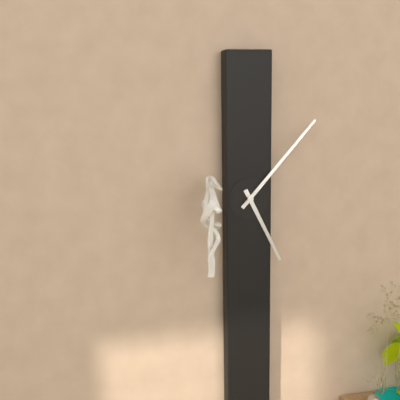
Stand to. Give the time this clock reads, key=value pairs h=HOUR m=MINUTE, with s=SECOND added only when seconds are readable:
h=5 m=7
